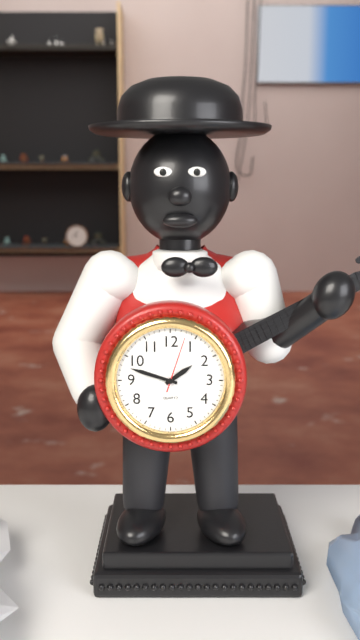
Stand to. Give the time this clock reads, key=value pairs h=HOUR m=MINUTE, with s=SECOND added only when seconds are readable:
h=1 m=48 s=3
